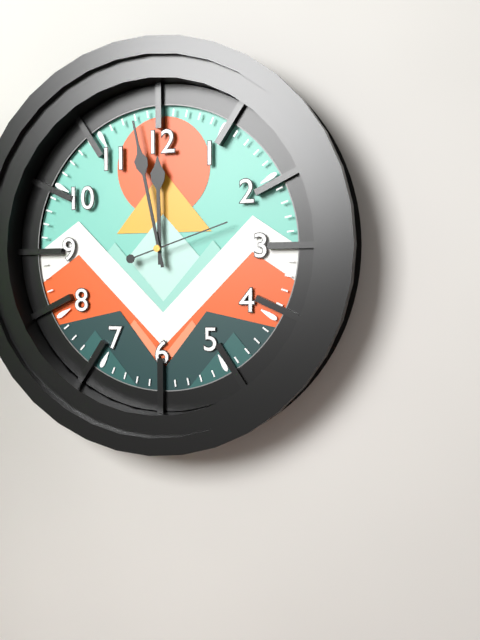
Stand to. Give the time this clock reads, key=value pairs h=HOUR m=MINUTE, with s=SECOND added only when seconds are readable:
h=11 m=58 s=12
